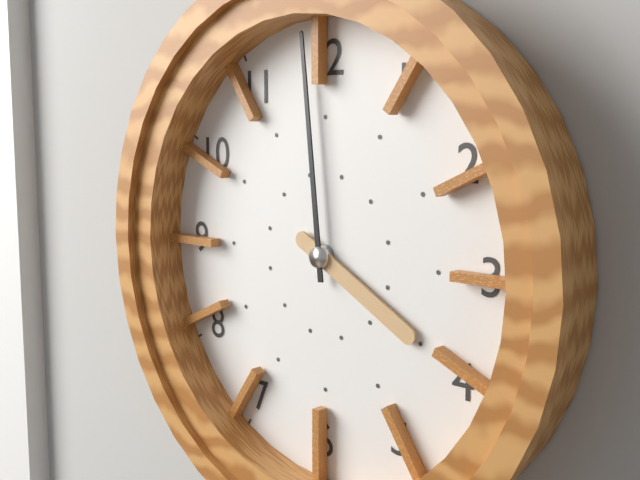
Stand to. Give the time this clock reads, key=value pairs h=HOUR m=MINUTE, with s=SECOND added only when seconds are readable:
h=3 m=59
